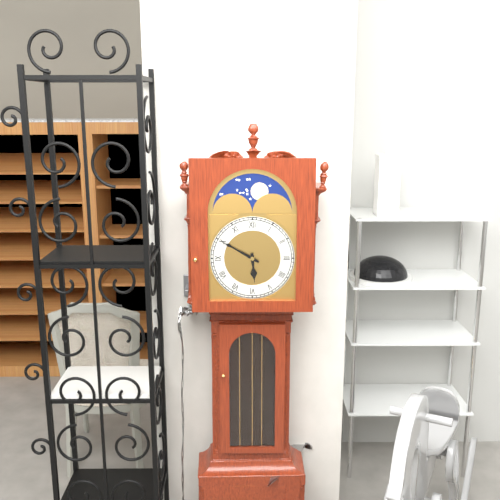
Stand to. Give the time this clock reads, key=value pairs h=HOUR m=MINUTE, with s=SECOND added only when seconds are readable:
h=5 m=50
